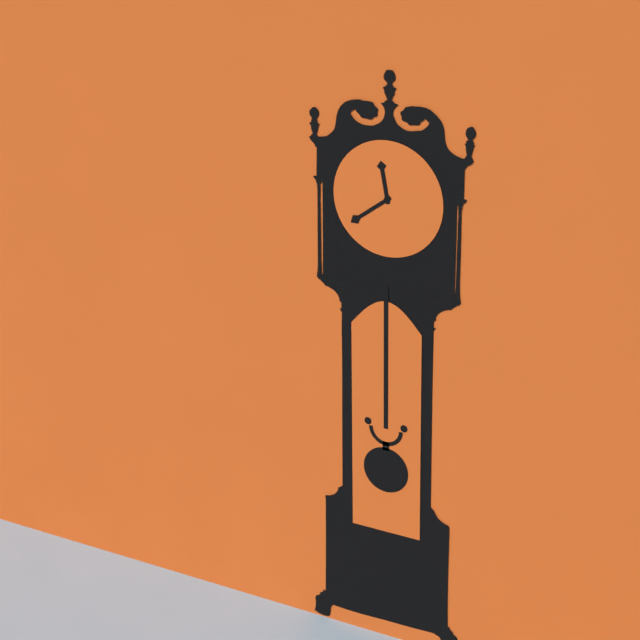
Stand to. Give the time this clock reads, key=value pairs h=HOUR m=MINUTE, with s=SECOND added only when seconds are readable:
h=11 m=39
